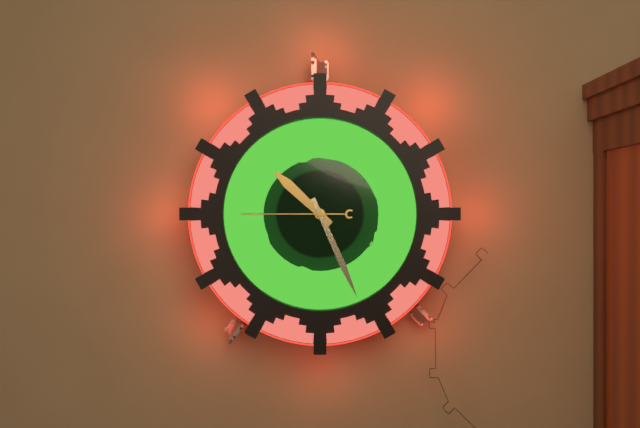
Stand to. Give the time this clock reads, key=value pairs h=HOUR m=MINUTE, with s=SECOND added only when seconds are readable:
h=10 m=26 s=45
